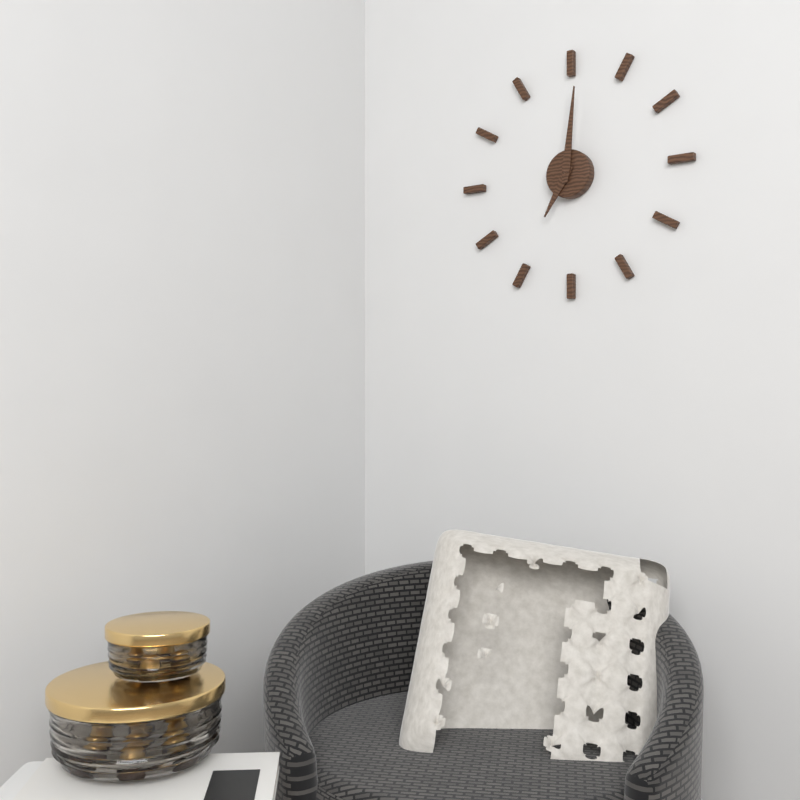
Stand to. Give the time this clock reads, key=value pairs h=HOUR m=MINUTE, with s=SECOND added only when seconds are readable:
h=7 m=1
